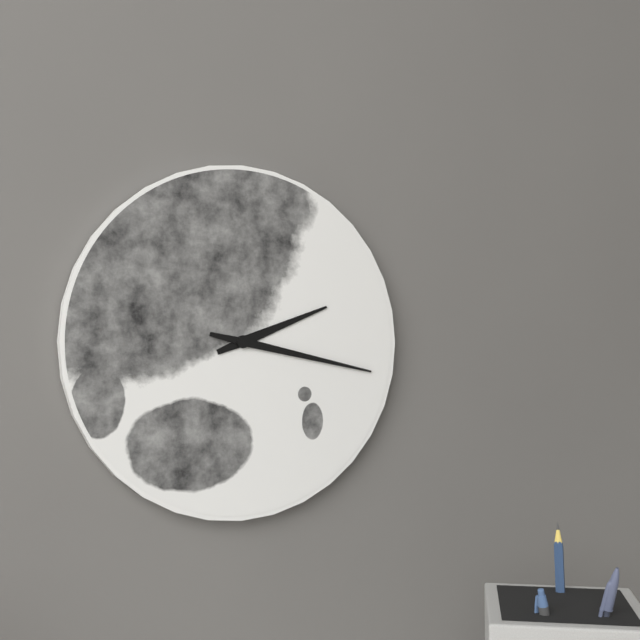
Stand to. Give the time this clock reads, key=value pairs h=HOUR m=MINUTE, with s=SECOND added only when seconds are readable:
h=2 m=17
